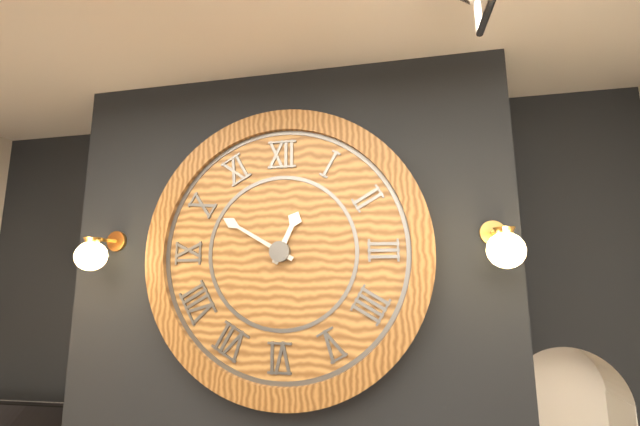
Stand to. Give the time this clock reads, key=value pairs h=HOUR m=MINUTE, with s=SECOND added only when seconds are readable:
h=12 m=50
